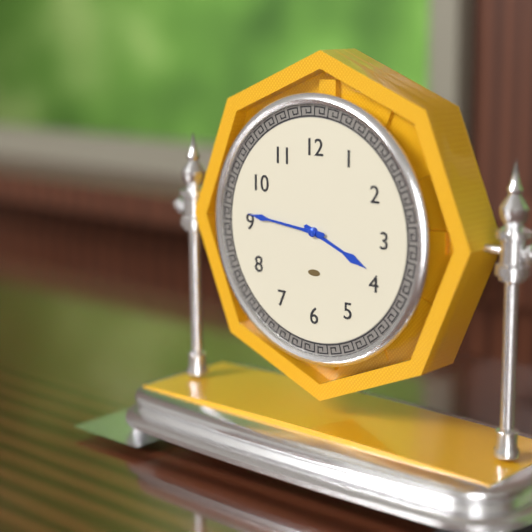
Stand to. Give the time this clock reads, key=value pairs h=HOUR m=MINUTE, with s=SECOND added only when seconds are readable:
h=3 m=46
